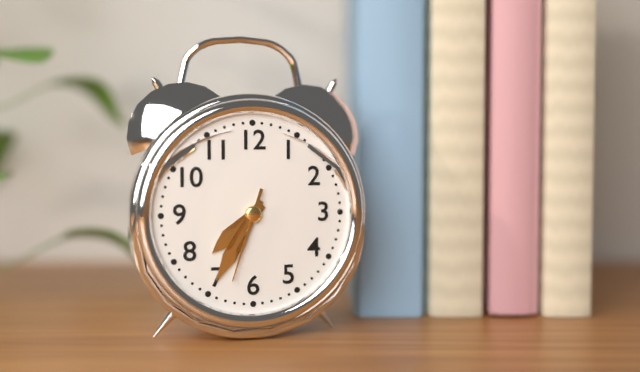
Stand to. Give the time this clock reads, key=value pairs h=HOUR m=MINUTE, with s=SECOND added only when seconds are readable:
h=7 m=35 s=33
